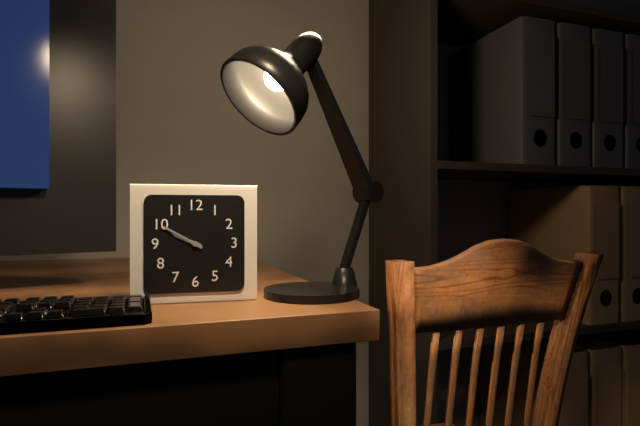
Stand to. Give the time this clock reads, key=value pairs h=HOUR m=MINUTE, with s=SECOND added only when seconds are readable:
h=9 m=50
